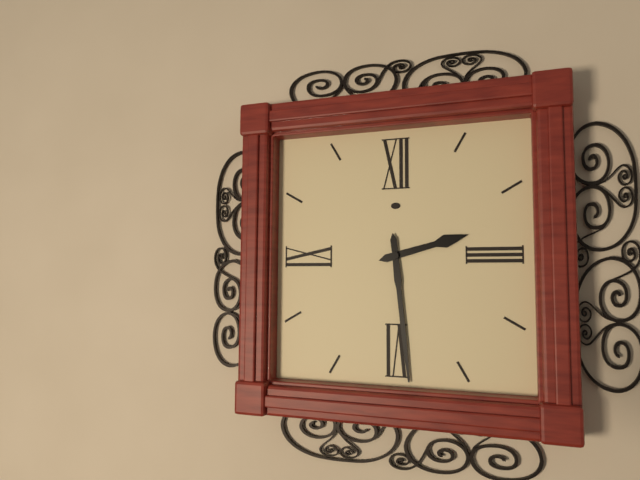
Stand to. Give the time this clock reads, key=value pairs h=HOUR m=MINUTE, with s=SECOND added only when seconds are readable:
h=2 m=29
